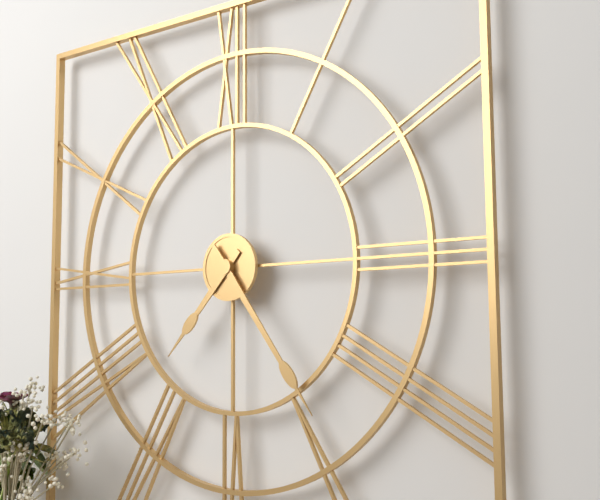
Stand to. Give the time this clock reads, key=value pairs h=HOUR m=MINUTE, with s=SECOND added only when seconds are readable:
h=7 m=24
